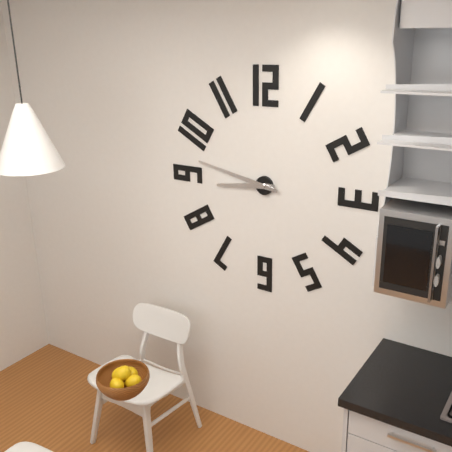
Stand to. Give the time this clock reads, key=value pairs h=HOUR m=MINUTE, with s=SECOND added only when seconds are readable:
h=8 m=47
